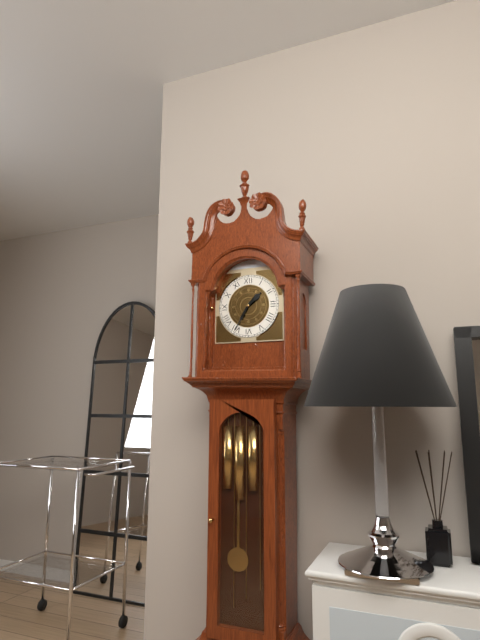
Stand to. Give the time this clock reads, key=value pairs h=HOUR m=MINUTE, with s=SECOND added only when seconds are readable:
h=1 m=35
